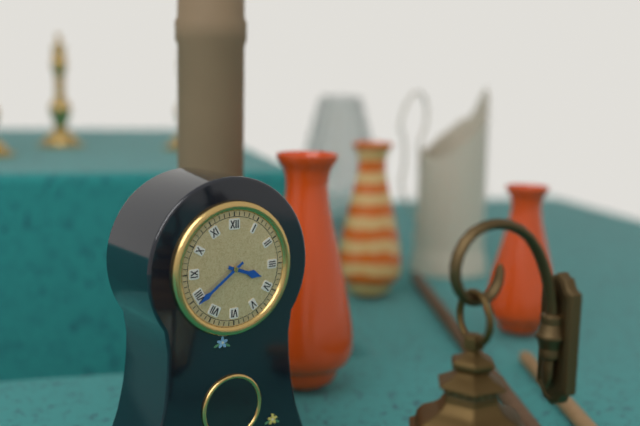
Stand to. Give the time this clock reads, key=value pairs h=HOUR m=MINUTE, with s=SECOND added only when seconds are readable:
h=3 m=39
